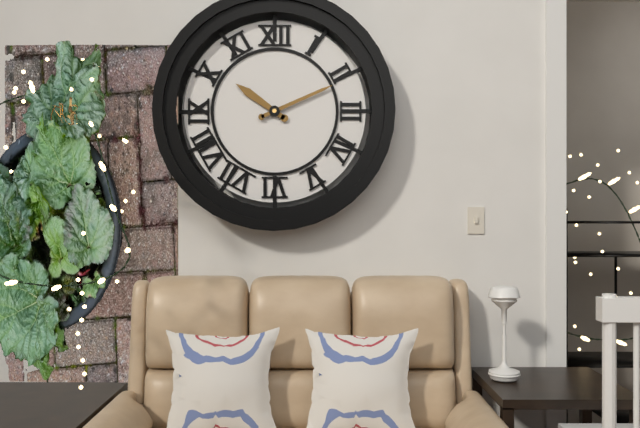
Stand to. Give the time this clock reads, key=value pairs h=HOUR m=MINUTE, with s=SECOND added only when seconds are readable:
h=10 m=11
